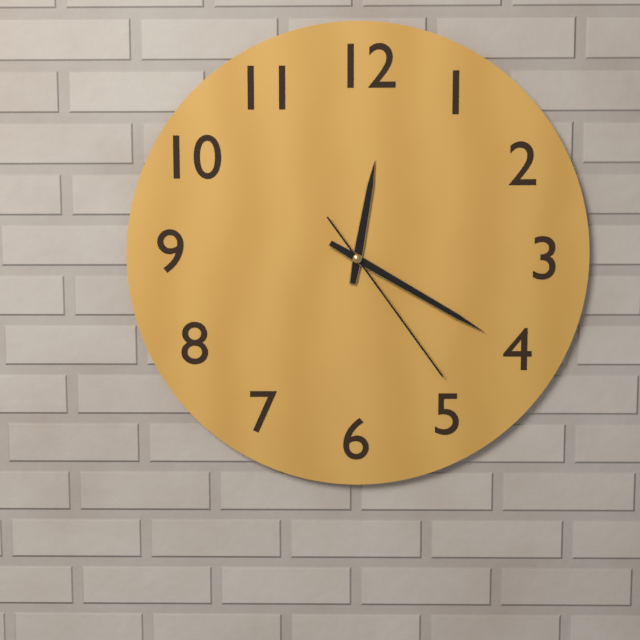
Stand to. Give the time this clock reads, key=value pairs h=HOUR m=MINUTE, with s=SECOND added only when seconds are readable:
h=12 m=20 s=24
